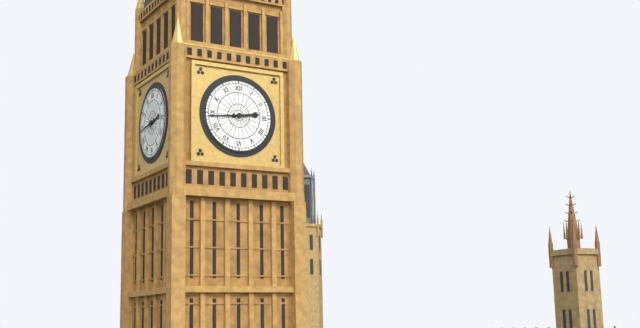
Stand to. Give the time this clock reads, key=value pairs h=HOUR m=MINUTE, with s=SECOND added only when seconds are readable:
h=2 m=44
